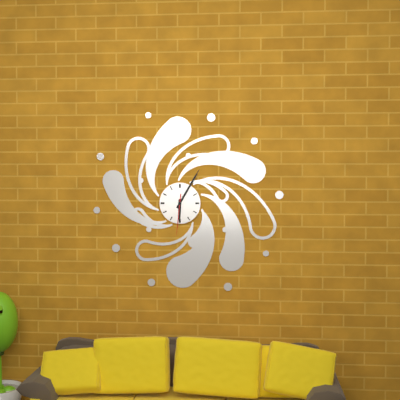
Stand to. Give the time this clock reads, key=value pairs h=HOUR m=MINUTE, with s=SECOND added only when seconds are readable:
h=6 m=5
